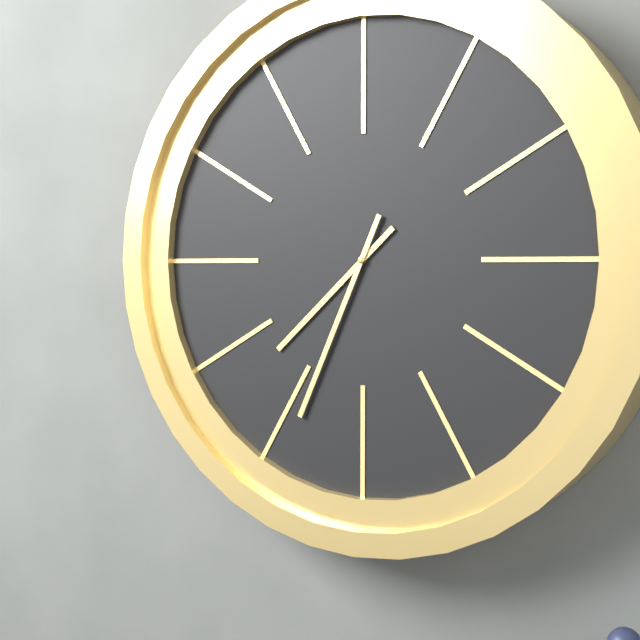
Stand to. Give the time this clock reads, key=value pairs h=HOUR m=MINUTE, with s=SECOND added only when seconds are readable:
h=7 m=34
